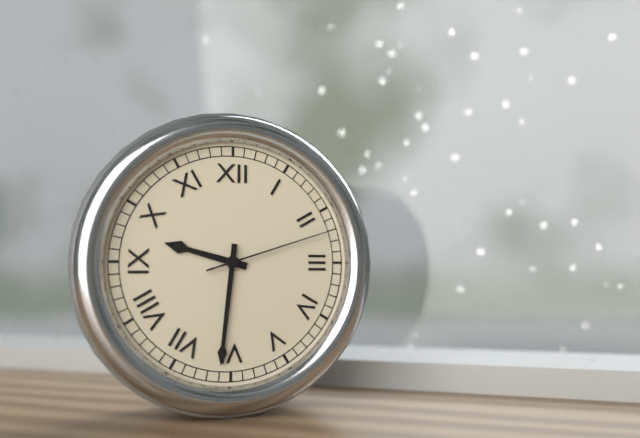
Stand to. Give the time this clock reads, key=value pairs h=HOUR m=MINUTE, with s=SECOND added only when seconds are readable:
h=9 m=31 s=12
